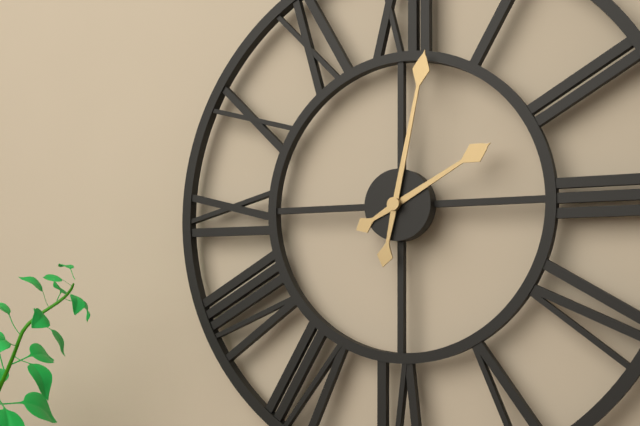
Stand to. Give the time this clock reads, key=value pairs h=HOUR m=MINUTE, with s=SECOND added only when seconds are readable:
h=2 m=2
